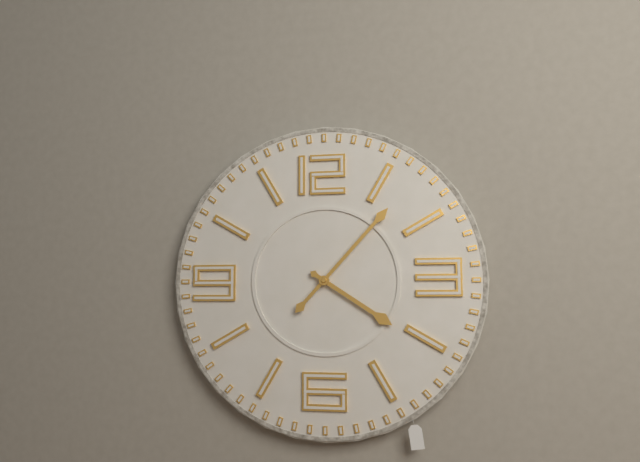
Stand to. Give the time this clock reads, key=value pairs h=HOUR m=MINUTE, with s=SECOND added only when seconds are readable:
h=4 m=7
